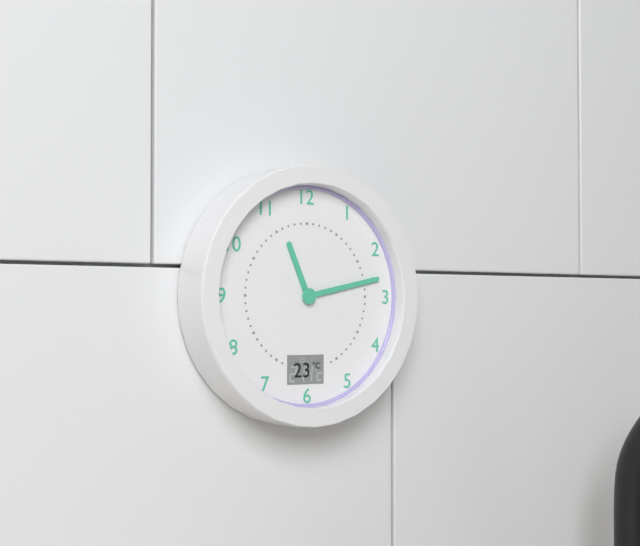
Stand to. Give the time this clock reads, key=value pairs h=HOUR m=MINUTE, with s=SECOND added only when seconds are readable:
h=11 m=13
